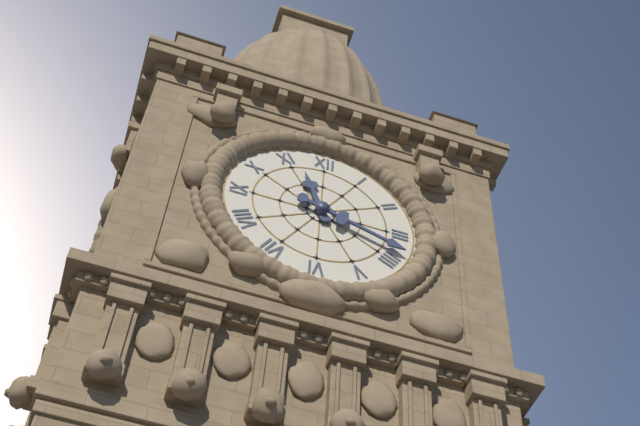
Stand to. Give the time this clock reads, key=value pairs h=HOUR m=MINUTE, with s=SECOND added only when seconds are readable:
h=11 m=18
